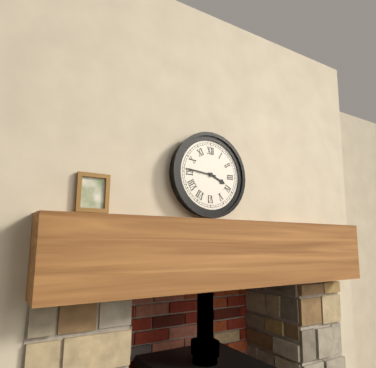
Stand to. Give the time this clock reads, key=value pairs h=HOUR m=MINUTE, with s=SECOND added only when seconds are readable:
h=3 m=46
